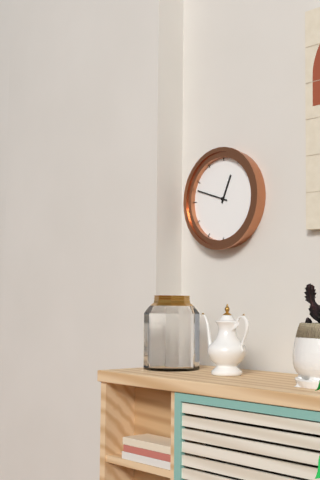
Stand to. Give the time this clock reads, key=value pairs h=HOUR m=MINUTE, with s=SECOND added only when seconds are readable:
h=12 m=48
